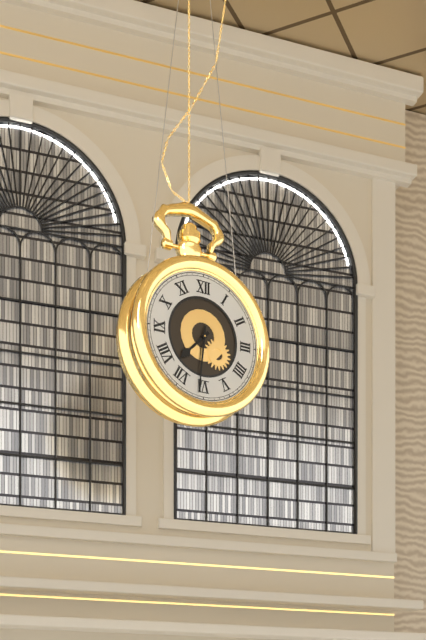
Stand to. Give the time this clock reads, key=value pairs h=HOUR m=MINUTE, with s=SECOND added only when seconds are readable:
h=7 m=31
